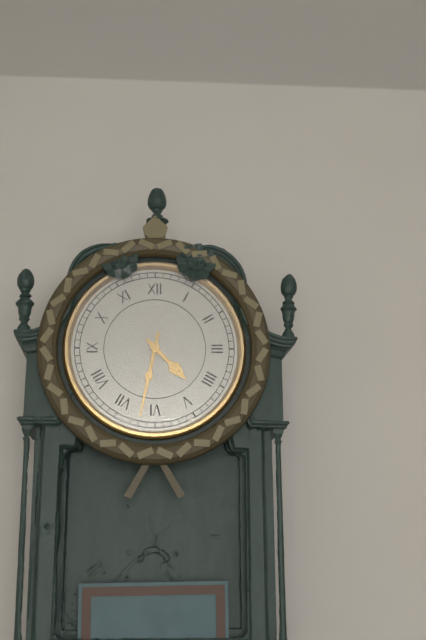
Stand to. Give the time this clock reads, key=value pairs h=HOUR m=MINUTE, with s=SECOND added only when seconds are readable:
h=4 m=32
